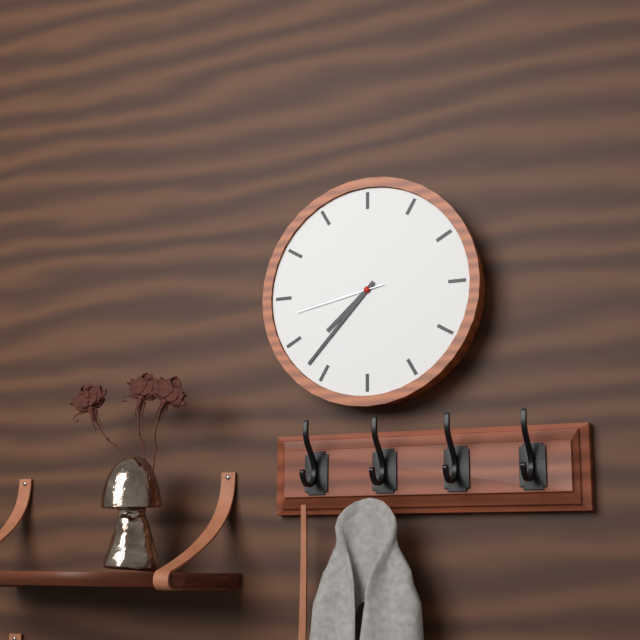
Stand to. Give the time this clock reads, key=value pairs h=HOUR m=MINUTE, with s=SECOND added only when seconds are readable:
h=7 m=37 s=43
